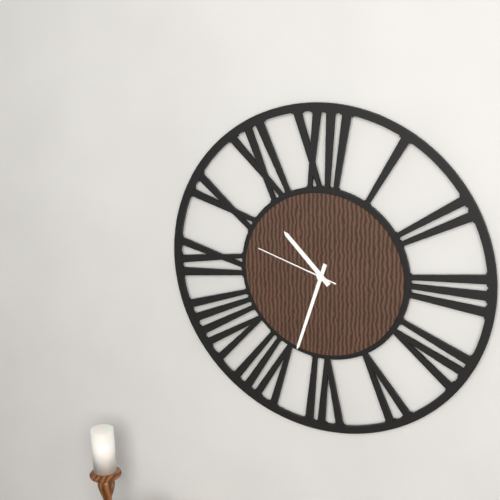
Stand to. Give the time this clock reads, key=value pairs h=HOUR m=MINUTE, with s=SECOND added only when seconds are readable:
h=10 m=33 s=48
